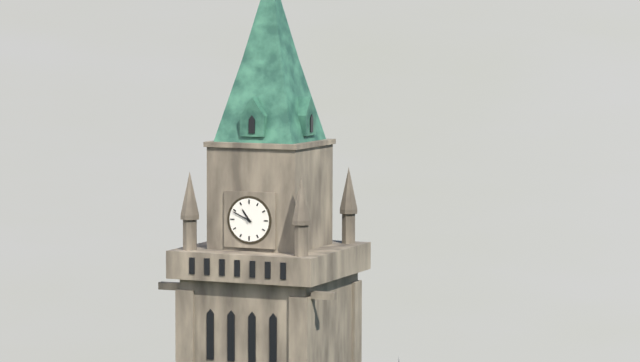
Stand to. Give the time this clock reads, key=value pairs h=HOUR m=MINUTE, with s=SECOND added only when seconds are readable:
h=10 m=49
